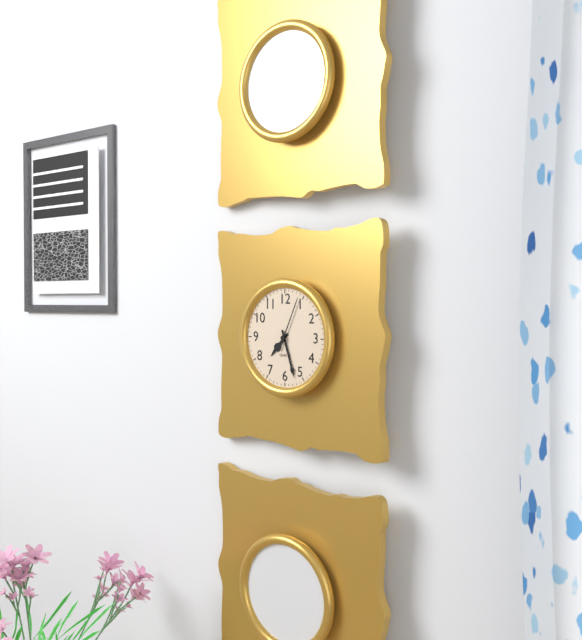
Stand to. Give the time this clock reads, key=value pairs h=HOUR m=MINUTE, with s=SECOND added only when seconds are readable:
h=7 m=27 s=4
